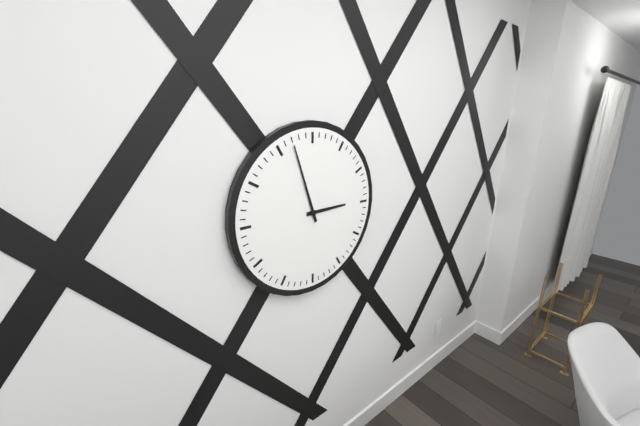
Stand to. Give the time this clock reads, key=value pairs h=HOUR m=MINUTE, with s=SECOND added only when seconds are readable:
h=2 m=57
